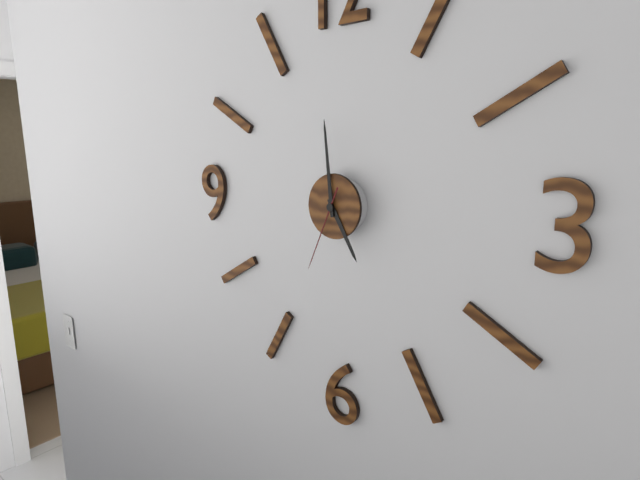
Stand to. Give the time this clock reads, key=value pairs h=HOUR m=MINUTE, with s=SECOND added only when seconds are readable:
h=4 m=59 s=34
